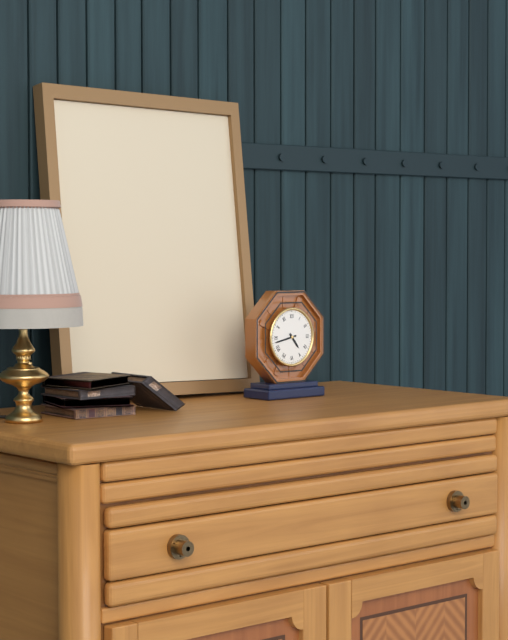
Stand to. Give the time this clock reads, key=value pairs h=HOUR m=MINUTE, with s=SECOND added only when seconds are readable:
h=4 m=43
